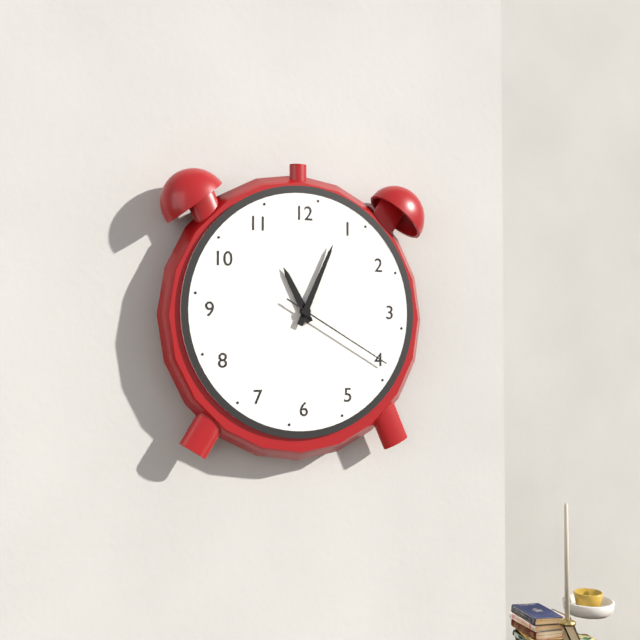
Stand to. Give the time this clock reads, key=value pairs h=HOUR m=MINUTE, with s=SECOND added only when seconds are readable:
h=11 m=4 s=20
